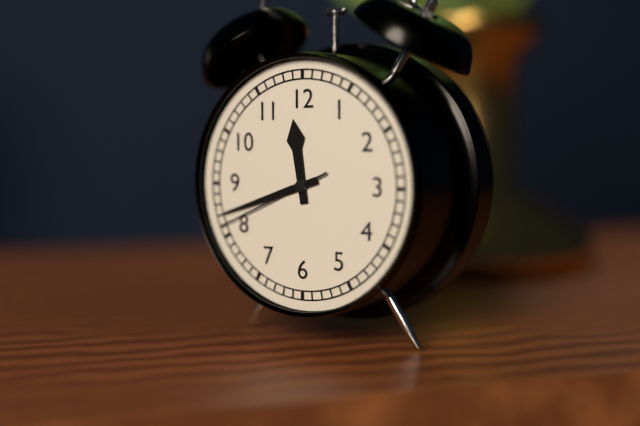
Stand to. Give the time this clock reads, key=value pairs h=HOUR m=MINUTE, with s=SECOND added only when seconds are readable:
h=11 m=42 s=41
